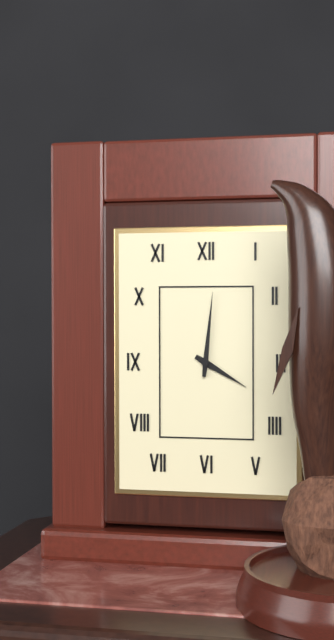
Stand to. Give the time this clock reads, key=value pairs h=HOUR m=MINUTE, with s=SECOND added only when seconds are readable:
h=4 m=1
